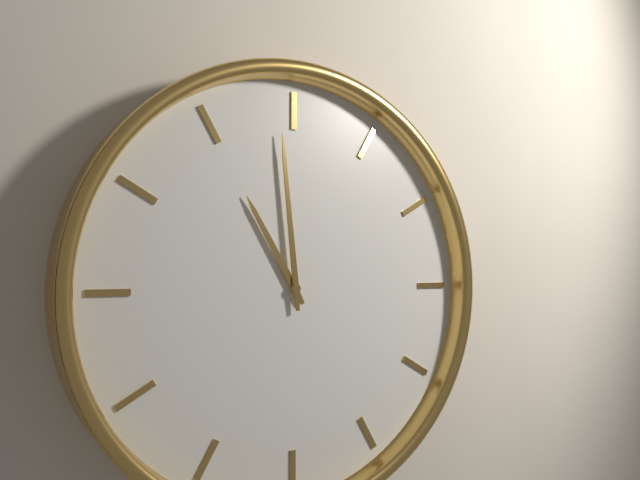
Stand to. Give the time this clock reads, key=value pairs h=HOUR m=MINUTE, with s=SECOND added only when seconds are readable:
h=10 m=59
